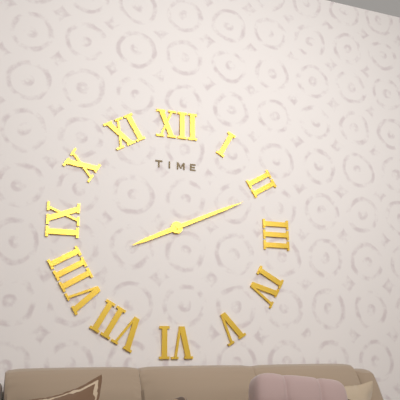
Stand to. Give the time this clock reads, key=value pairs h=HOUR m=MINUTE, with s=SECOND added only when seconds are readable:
h=8 m=11
